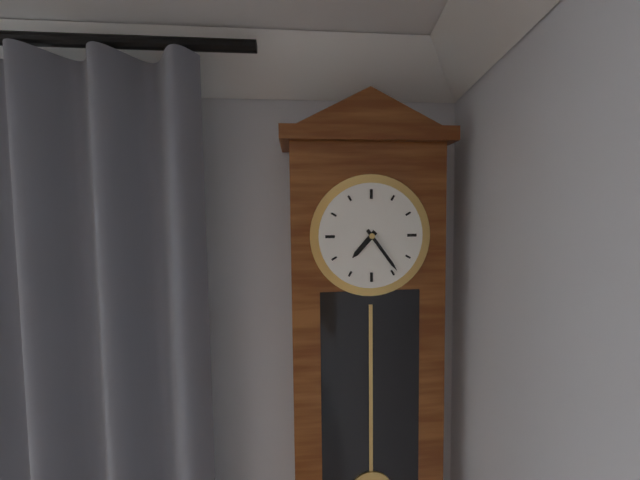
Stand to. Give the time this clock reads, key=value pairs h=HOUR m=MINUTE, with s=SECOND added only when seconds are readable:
h=7 m=24
